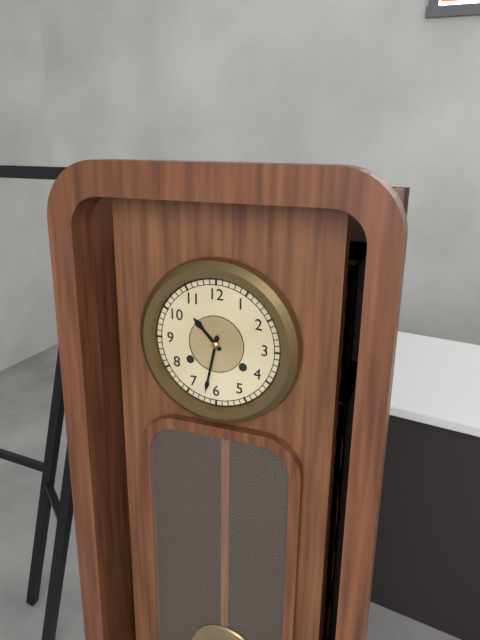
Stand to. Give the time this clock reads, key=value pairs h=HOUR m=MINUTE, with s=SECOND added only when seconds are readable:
h=10 m=32
